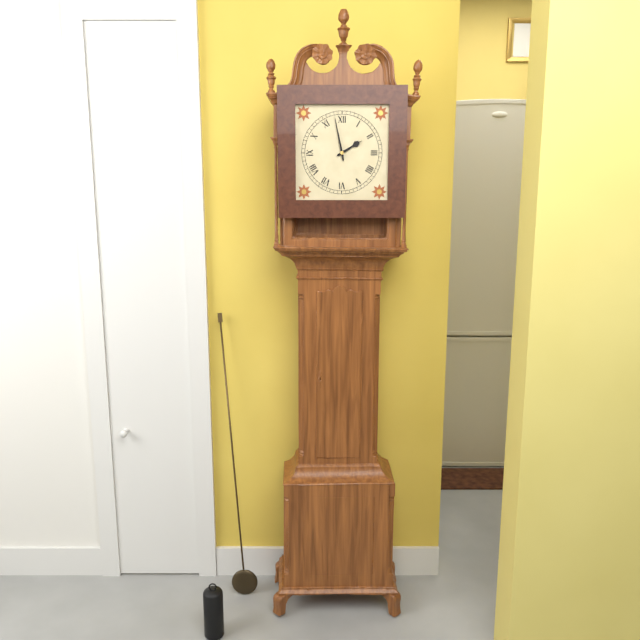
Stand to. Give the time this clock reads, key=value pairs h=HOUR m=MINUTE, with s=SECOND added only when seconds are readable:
h=1 m=58
